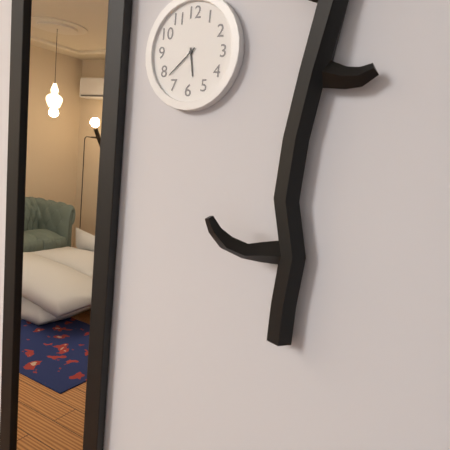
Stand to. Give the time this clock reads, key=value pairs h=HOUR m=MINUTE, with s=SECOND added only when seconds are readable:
h=5 m=38
